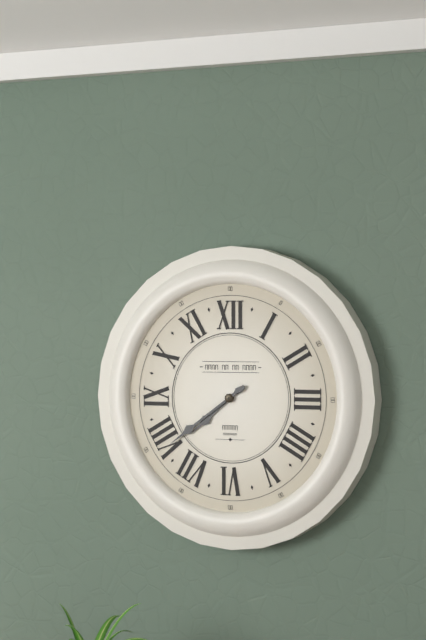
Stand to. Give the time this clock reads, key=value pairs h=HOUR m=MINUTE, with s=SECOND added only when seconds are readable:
h=7 m=39
